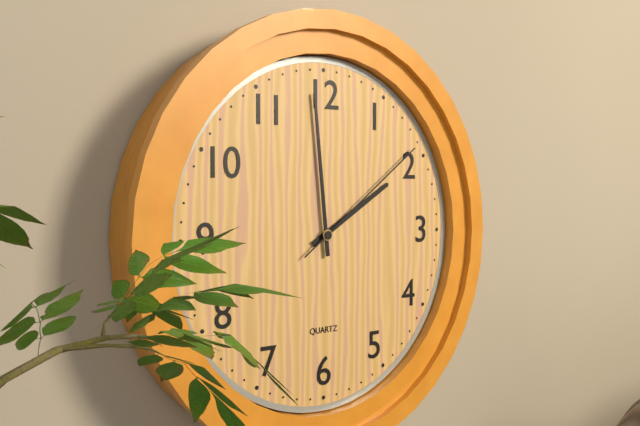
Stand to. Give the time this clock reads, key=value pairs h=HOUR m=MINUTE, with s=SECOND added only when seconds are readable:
h=1 m=59 s=9
